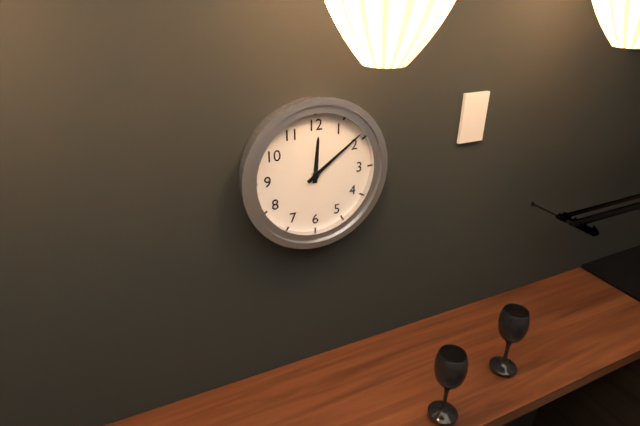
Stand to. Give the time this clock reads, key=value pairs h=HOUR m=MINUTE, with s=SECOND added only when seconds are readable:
h=12 m=9
